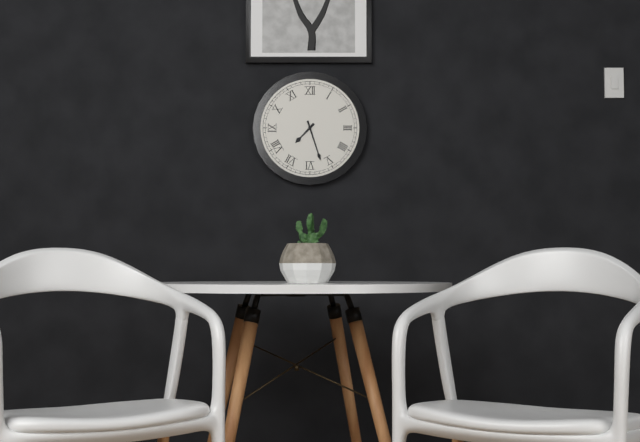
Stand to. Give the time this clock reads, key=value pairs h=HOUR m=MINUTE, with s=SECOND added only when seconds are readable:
h=7 m=27
